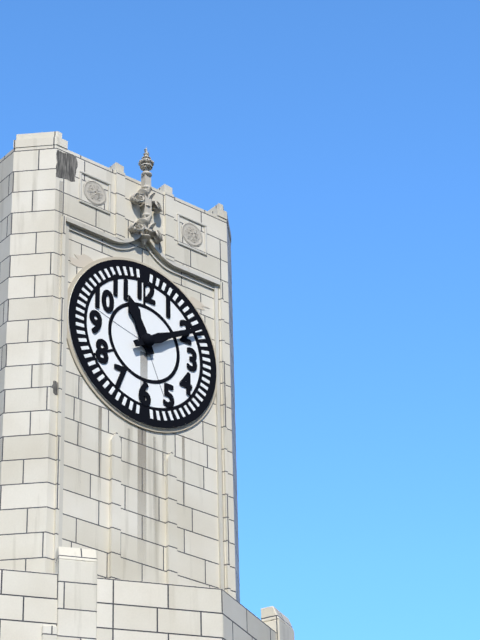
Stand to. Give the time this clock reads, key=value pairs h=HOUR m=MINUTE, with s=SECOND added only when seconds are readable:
h=11 m=10
